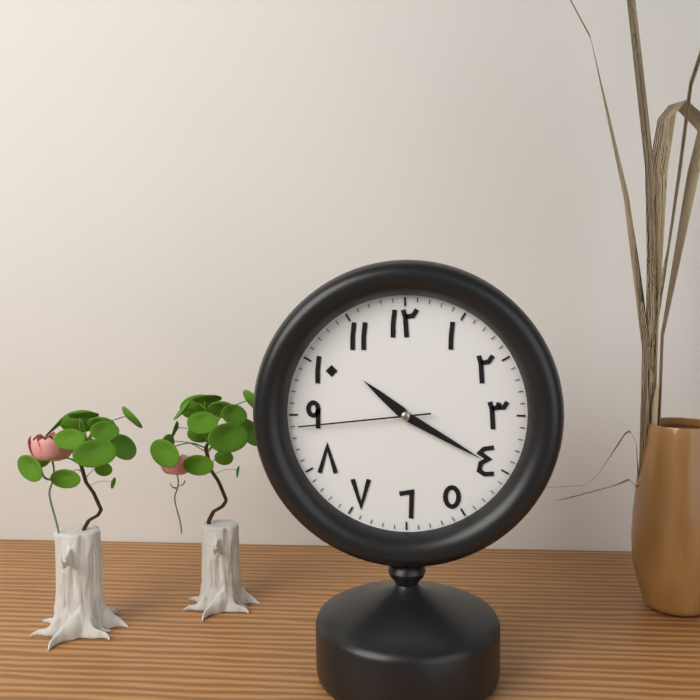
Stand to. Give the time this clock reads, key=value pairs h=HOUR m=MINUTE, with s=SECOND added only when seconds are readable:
h=10 m=20 s=44
